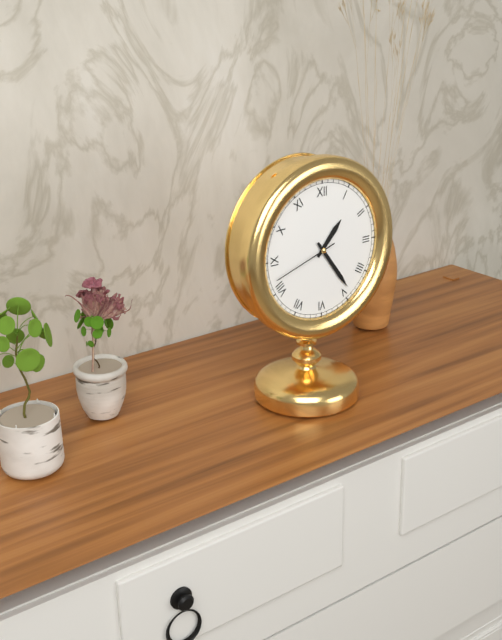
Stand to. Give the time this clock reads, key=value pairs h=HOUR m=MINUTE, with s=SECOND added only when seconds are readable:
h=1 m=24 s=42
